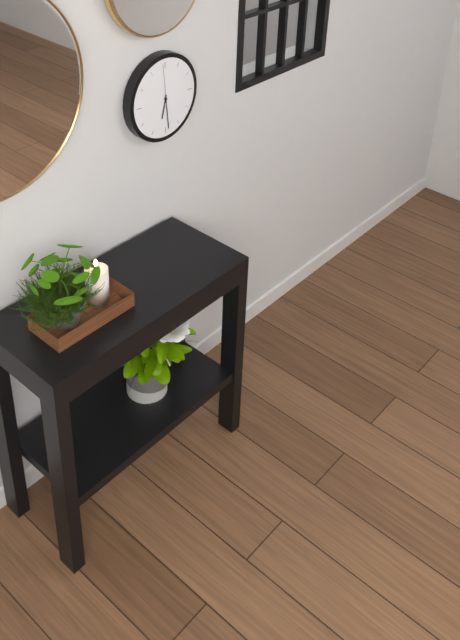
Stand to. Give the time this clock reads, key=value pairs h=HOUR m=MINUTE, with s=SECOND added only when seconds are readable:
h=6 m=29
